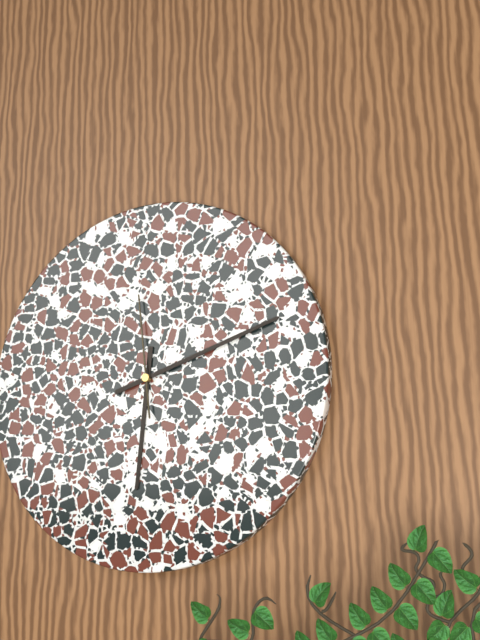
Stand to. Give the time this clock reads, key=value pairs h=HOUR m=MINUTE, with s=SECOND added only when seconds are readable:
h=6 m=12 s=59
